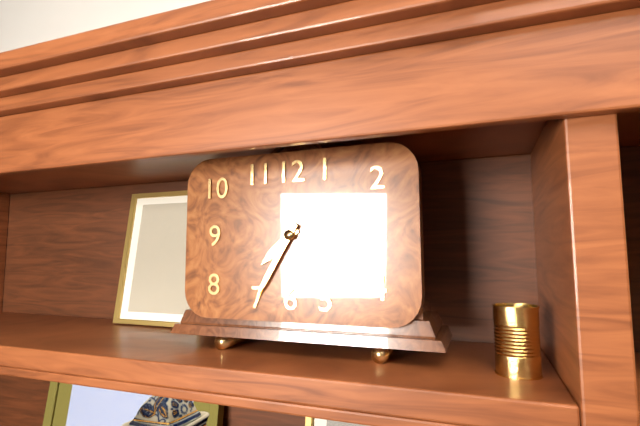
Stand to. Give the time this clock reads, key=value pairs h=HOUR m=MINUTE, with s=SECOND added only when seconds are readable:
h=7 m=35
